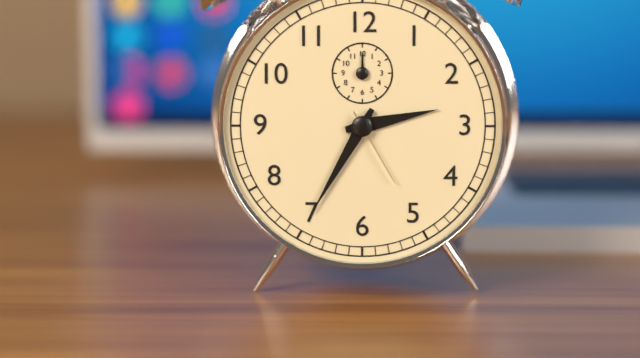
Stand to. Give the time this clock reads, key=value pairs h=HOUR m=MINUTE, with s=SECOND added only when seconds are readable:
h=2 m=35 s=25
